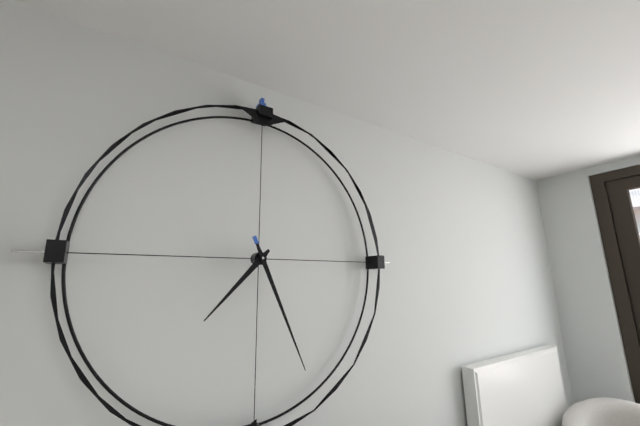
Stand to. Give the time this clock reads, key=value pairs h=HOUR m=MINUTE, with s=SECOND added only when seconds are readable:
h=7 m=26
